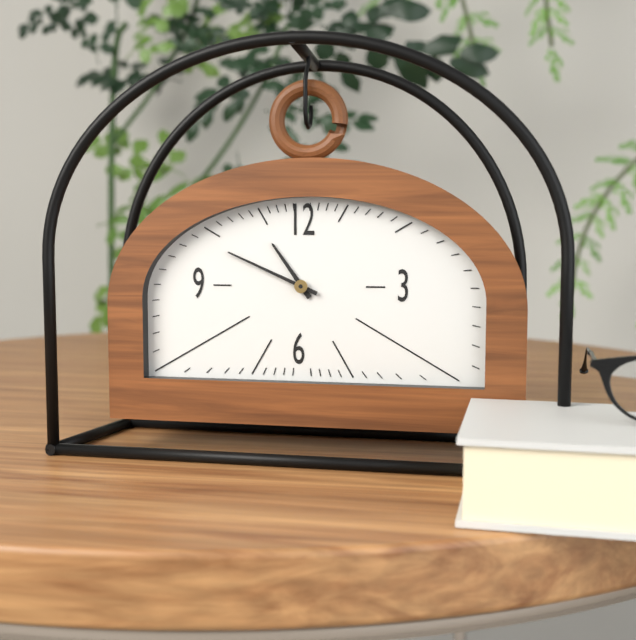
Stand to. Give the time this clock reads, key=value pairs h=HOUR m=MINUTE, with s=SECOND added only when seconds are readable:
h=10 m=49
